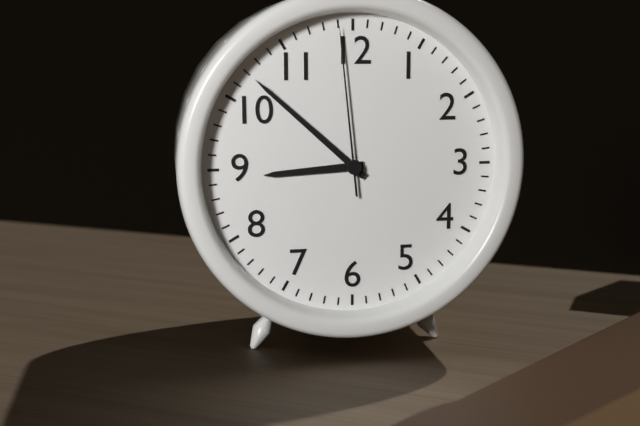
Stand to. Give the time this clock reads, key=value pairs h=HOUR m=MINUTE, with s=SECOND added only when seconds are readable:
h=8 m=52 s=59
